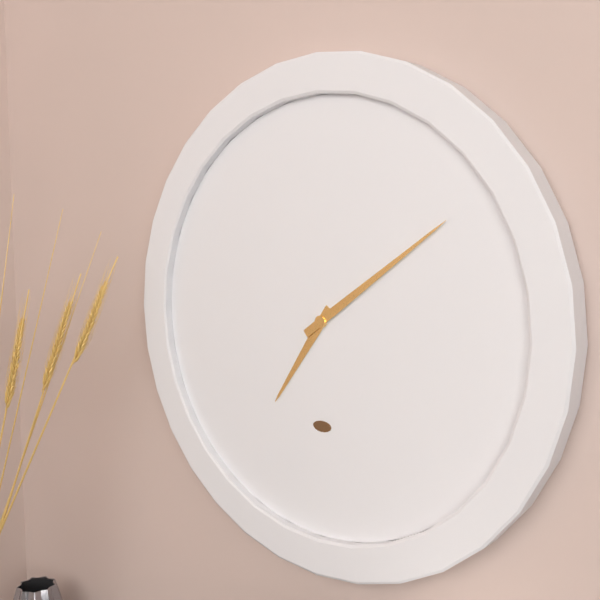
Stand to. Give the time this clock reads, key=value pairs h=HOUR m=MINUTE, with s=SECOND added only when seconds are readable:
h=7 m=9
